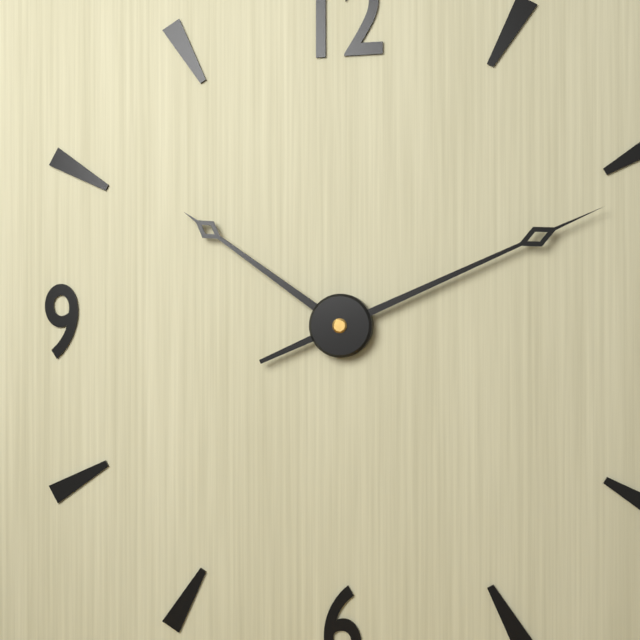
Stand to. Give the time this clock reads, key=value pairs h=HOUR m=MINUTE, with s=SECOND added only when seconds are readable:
h=10 m=11
